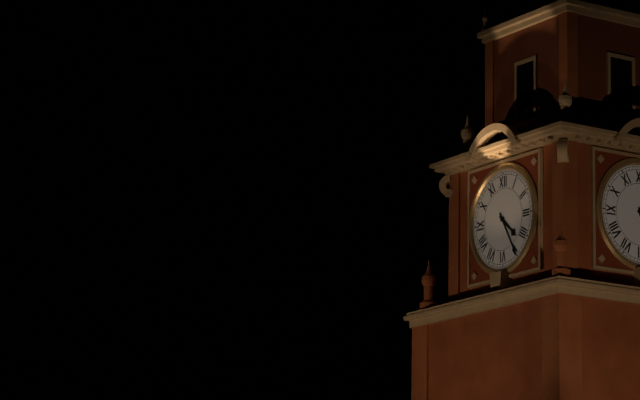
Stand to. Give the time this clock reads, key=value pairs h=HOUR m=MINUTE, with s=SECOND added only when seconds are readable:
h=4 m=25
